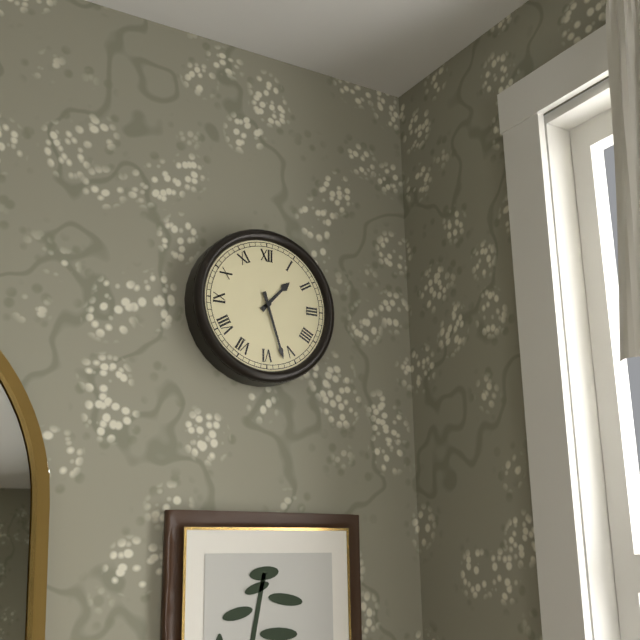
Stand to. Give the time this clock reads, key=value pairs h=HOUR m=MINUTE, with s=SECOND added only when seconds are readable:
h=1 m=27
